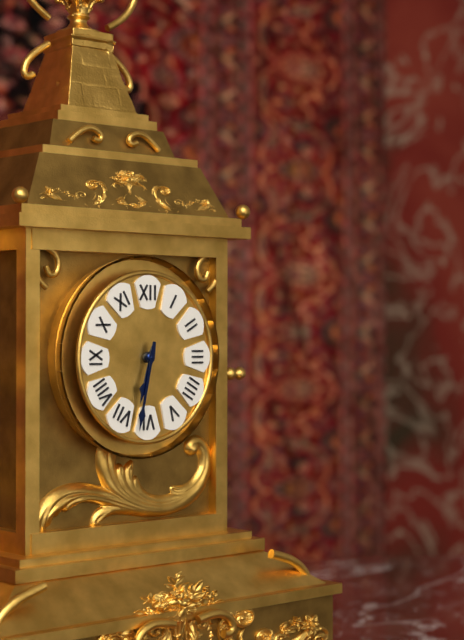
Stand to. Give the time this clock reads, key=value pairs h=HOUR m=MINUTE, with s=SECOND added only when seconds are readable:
h=6 m=32
